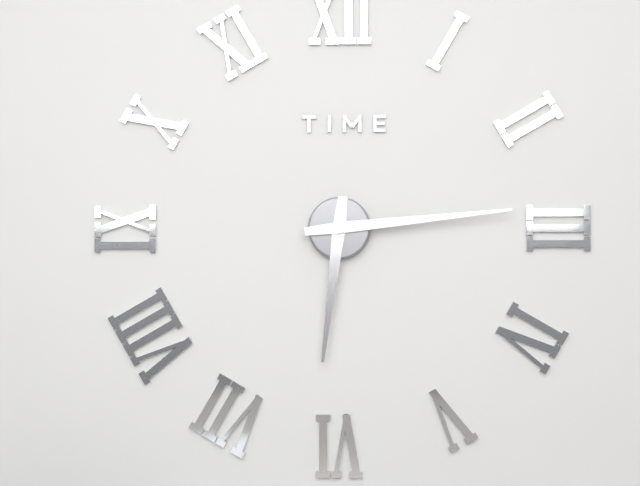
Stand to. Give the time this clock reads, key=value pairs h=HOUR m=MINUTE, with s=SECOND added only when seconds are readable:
h=6 m=14
